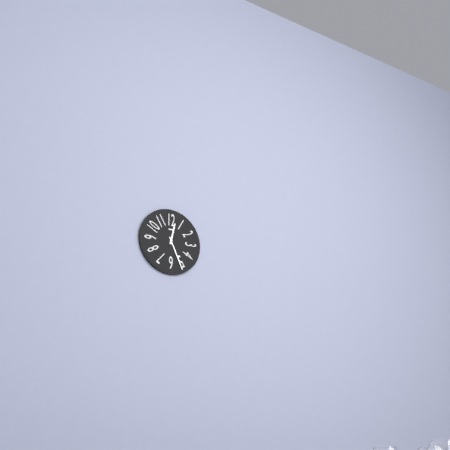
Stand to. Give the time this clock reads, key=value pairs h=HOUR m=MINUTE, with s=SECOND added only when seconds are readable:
h=12 m=26
